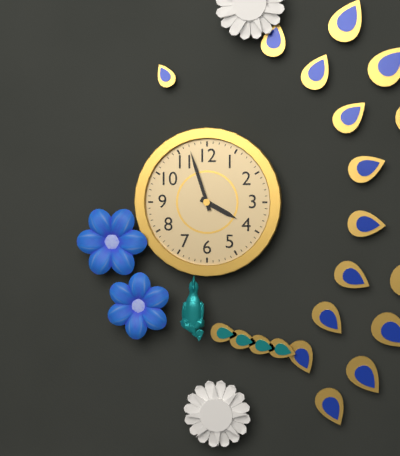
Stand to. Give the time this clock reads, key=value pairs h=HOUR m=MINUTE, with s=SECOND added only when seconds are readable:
h=3 m=57
